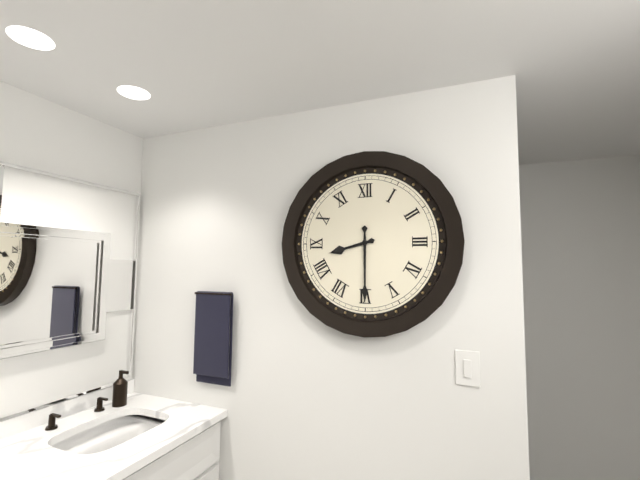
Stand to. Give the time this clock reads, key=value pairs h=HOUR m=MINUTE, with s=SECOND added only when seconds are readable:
h=8 m=30
